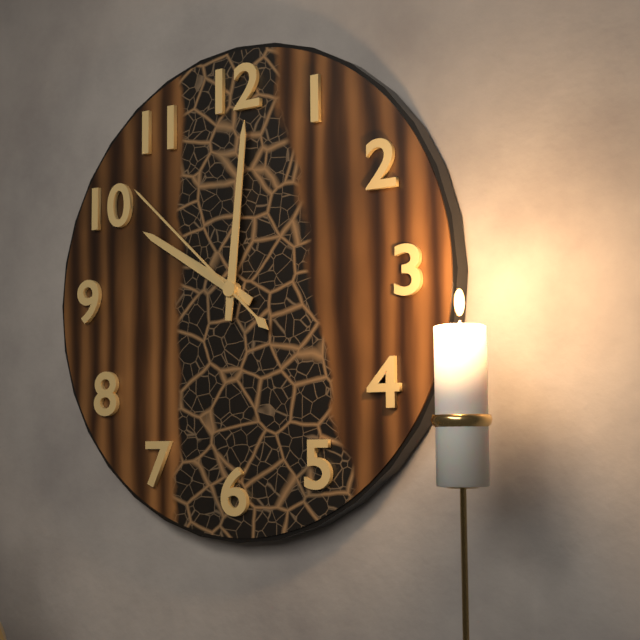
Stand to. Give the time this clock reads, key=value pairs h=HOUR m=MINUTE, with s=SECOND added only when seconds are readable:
h=10 m=1 s=52
